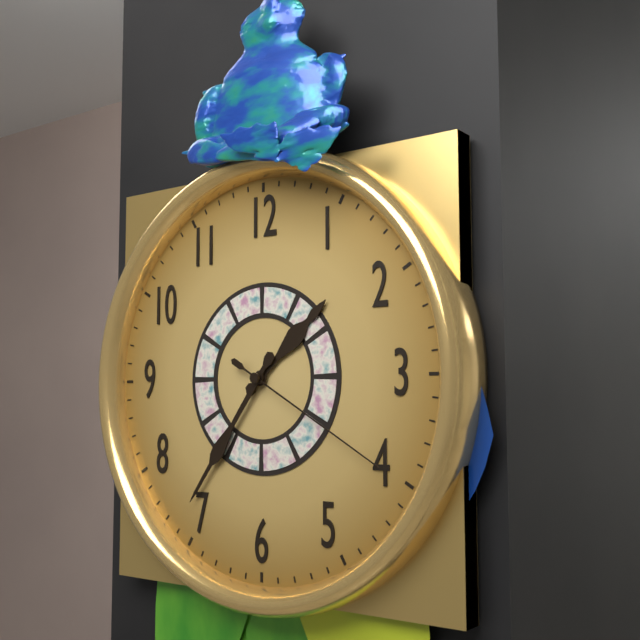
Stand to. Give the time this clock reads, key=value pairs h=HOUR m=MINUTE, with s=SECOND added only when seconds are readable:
h=1 m=36 s=20
